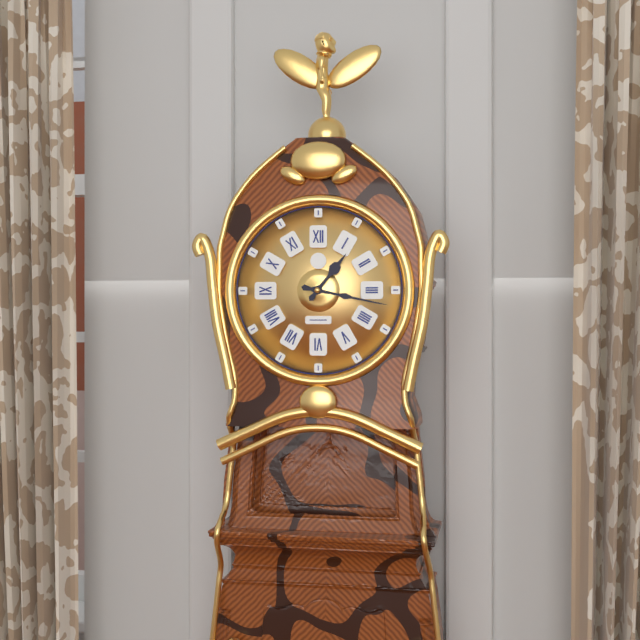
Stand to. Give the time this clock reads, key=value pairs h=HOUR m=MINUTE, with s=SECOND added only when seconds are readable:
h=1 m=17
